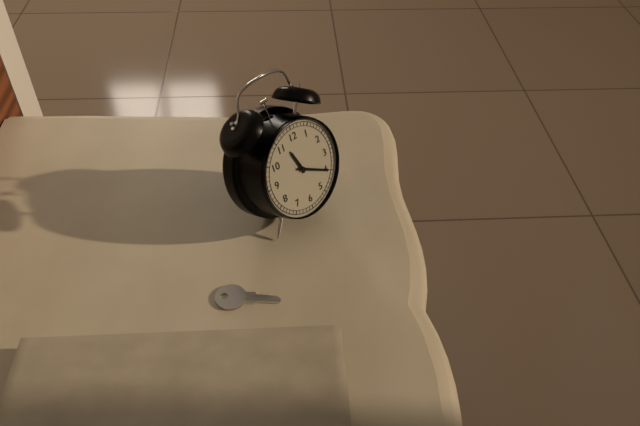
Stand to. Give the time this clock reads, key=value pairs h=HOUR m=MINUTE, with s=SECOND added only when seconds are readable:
h=11 m=20
